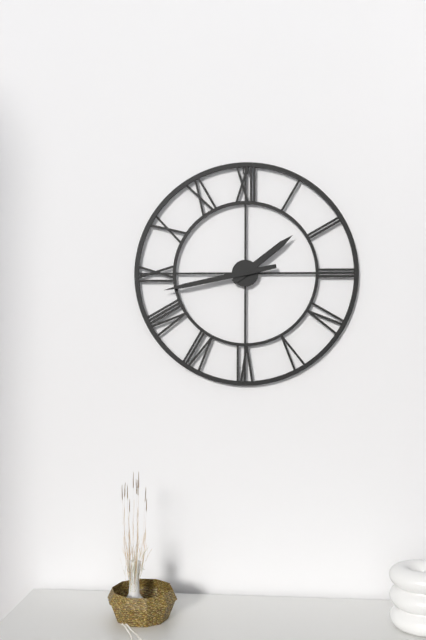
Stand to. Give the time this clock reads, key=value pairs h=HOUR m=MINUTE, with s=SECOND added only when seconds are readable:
h=1 m=43
